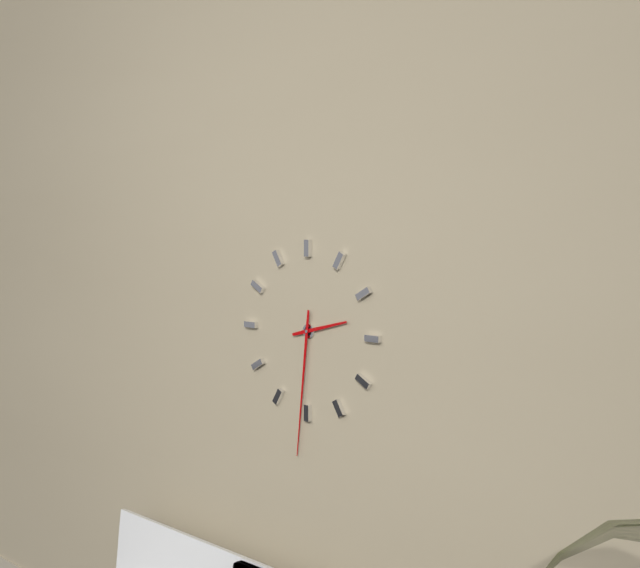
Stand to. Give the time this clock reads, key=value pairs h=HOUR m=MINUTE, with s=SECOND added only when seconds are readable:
h=2 m=31
